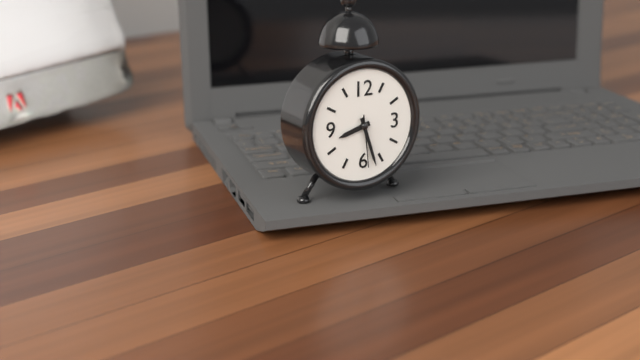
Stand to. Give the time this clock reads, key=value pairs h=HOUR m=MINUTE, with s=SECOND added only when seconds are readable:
h=8 m=27 s=29
